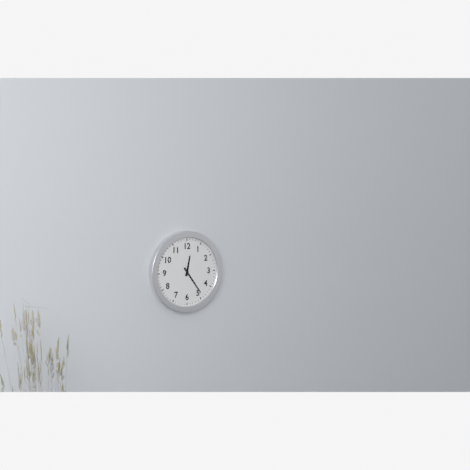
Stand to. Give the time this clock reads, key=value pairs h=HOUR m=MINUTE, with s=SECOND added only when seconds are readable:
h=12 m=24
